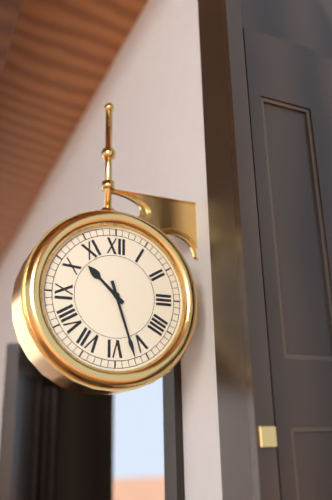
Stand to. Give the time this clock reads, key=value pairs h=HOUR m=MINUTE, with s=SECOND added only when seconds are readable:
h=10 m=27
